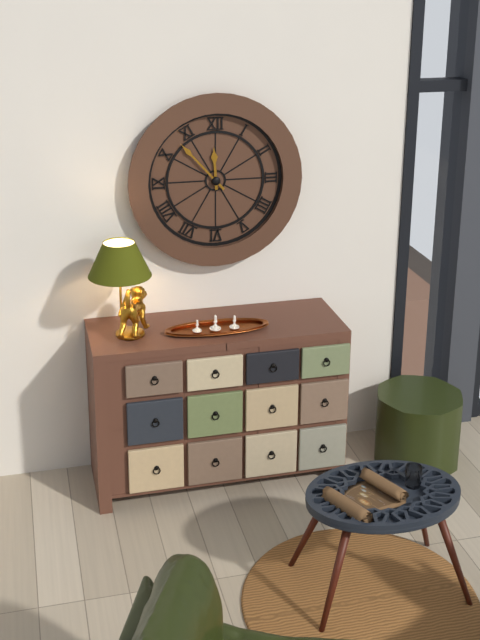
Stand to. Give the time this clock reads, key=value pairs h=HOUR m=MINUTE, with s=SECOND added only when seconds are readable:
h=11 m=53
